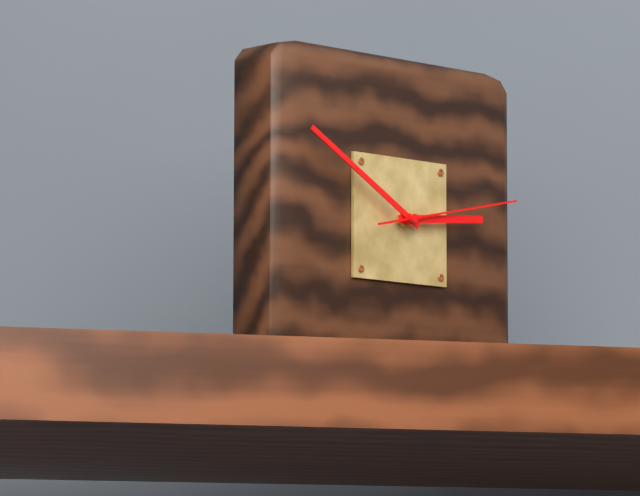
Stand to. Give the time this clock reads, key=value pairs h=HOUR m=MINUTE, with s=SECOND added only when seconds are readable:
h=2 m=50 s=13
